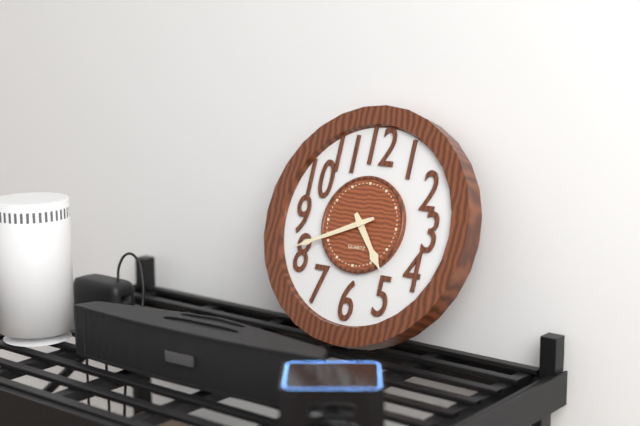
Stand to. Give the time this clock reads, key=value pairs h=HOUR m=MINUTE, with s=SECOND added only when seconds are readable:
h=4 m=41
